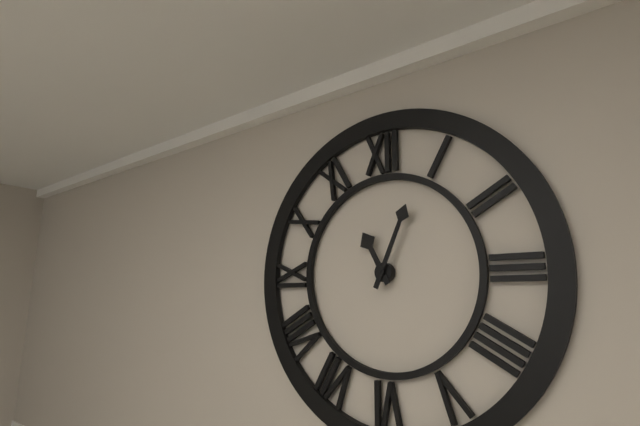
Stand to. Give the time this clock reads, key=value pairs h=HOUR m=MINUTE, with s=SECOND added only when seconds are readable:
h=11 m=4
